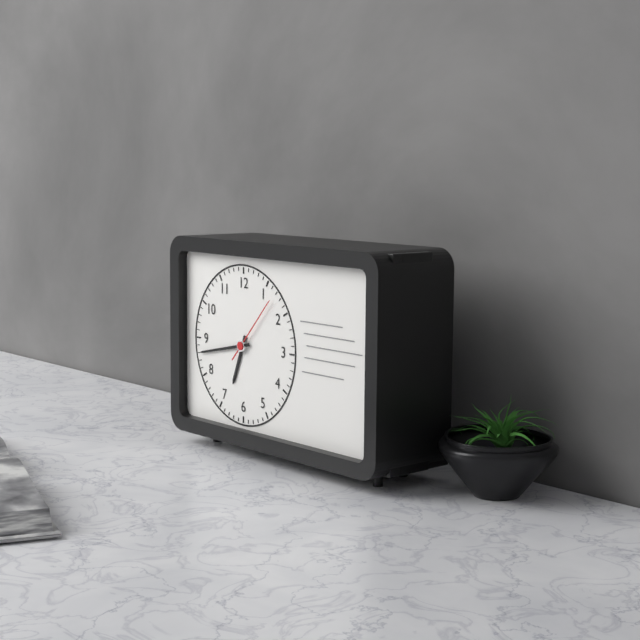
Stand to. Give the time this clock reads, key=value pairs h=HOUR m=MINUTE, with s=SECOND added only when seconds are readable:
h=6 m=43 s=7
